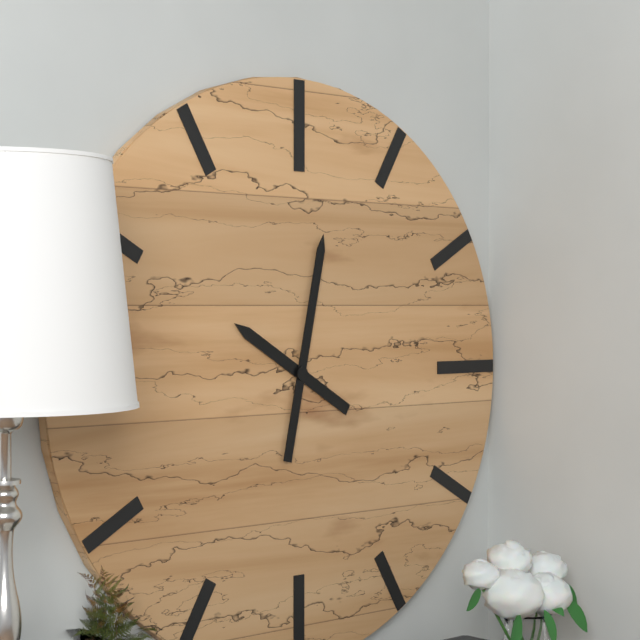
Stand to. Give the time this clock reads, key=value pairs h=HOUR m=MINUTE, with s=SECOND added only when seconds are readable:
h=10 m=2
